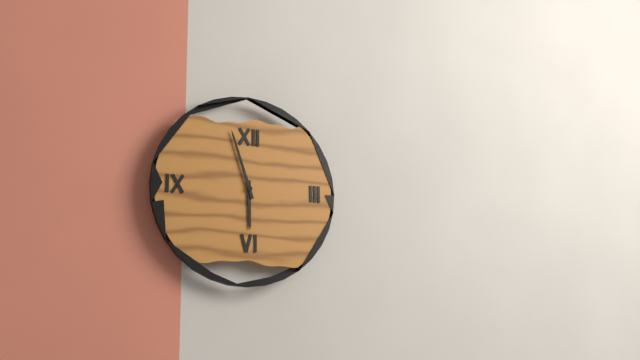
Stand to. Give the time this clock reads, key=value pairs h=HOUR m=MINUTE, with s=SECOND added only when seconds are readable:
h=5 m=57
